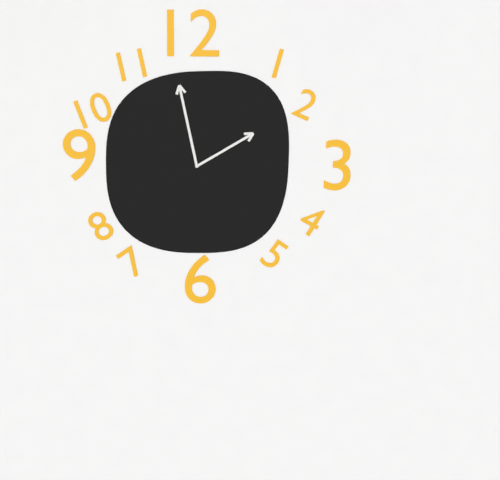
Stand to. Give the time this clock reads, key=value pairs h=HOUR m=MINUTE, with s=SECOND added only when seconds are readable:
h=1 m=58
